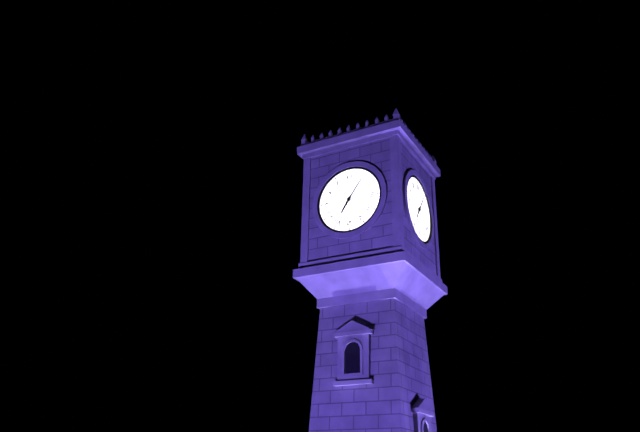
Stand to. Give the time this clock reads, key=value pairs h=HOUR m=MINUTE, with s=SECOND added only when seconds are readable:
h=7 m=6
